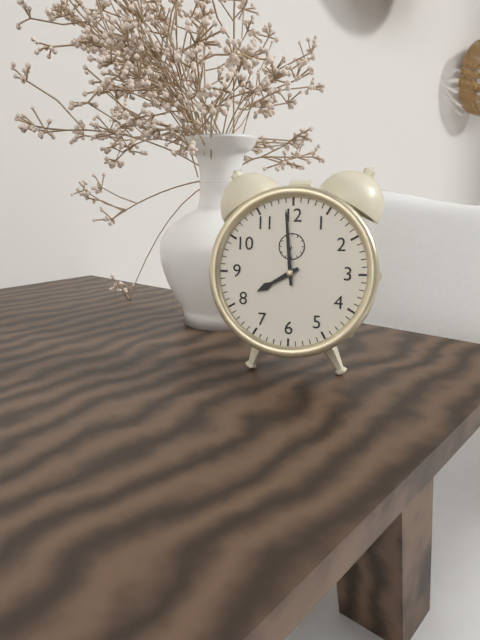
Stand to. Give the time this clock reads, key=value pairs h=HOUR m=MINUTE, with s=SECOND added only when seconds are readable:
h=7 m=59
